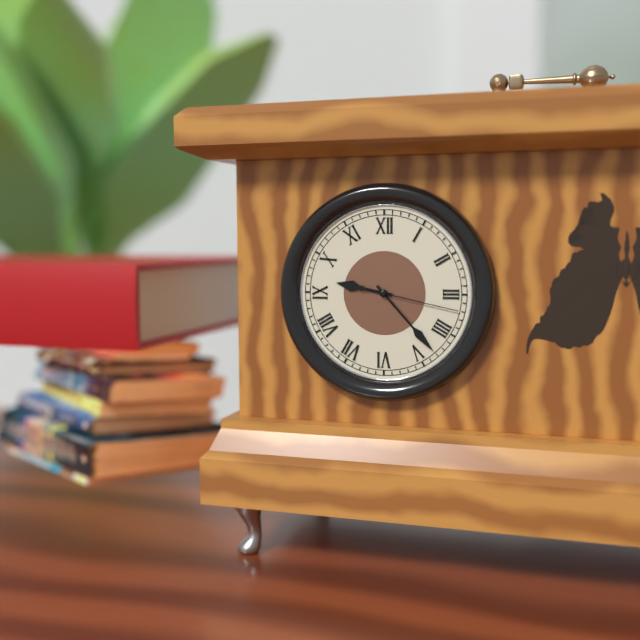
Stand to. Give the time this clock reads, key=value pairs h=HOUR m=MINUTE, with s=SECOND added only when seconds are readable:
h=9 m=23 s=17
